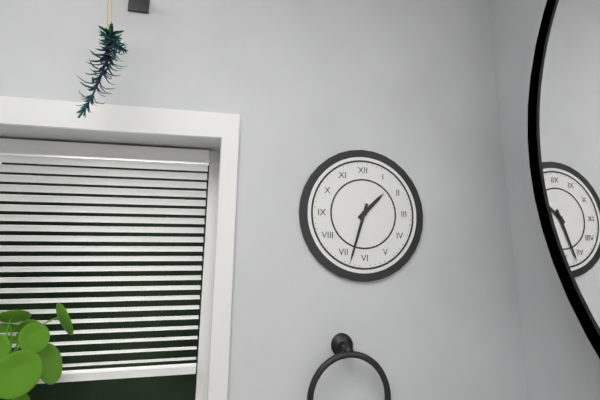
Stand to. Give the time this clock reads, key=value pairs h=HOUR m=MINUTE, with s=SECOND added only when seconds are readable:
h=1 m=33
